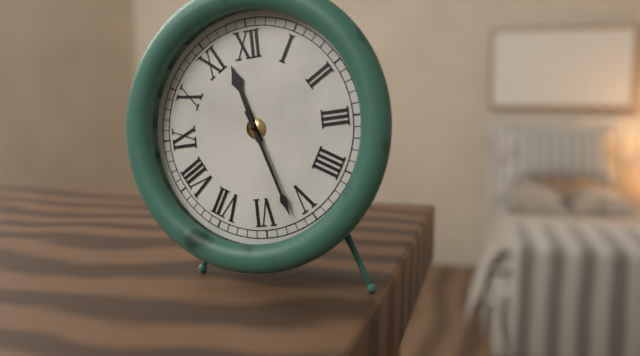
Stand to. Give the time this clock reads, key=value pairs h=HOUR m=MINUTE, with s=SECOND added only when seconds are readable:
h=11 m=27
